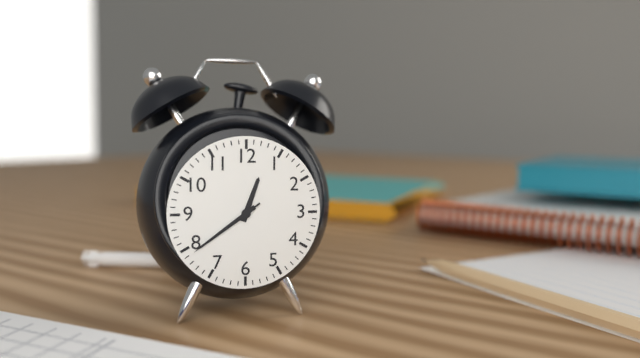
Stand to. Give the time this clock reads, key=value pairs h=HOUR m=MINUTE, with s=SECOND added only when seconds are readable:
h=12 m=39 s=39
